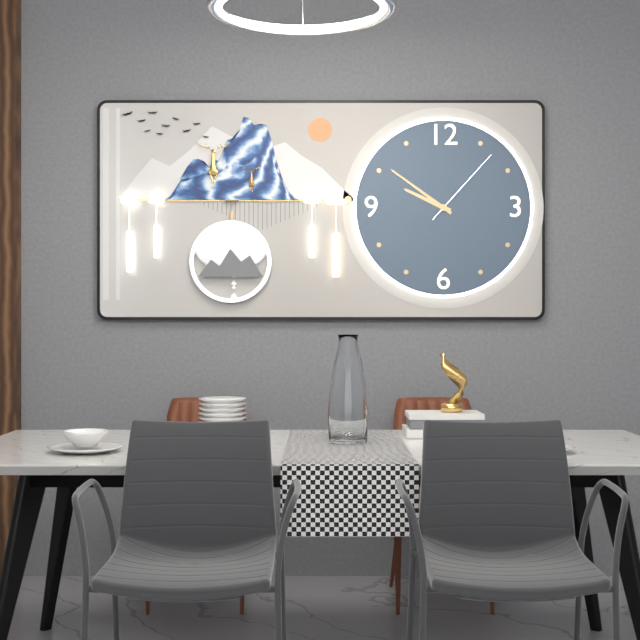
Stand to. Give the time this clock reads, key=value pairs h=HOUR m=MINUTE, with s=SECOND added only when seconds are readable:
h=9 m=51 s=7
